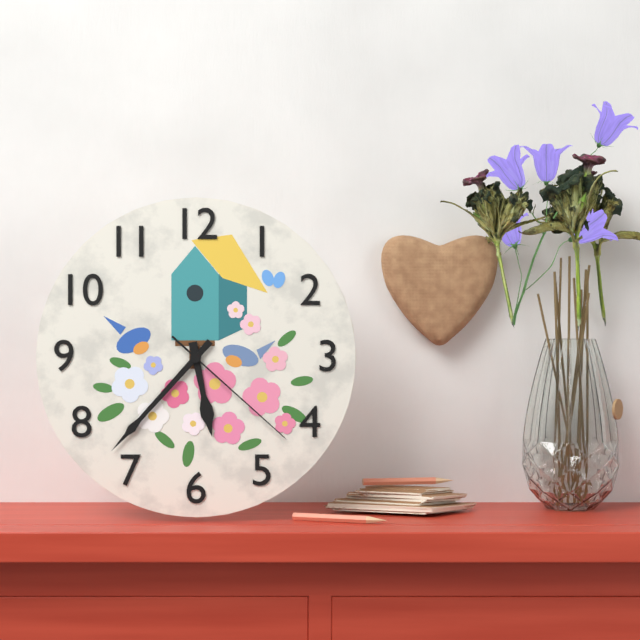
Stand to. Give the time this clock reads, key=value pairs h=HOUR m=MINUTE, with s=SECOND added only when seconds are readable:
h=5 m=37 s=22
